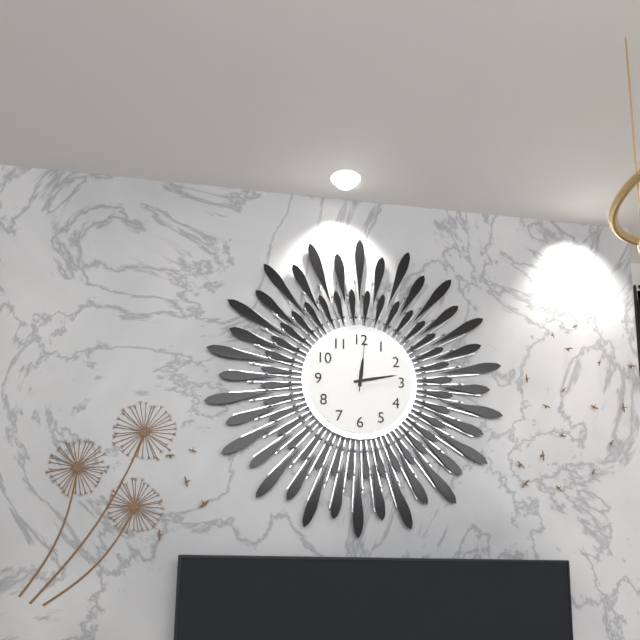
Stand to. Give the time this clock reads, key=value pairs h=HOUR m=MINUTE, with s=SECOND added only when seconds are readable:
h=12 m=13 s=1
